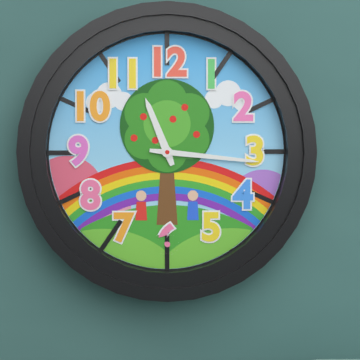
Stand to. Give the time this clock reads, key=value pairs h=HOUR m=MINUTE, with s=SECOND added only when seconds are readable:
h=11 m=16
